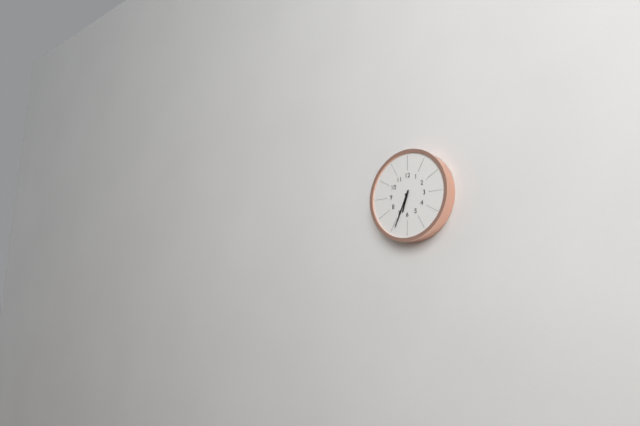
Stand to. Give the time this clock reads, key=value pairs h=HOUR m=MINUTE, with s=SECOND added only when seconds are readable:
h=6 m=34
